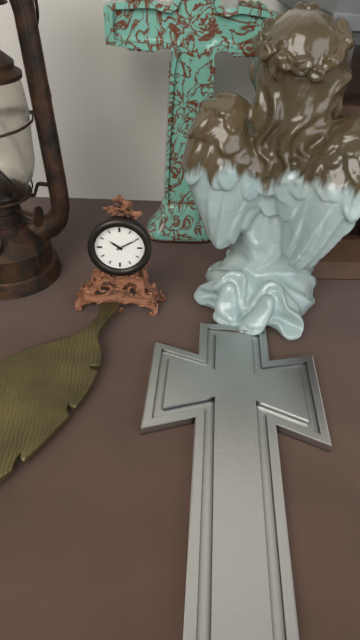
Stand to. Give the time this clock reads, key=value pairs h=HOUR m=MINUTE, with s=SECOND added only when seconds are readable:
h=10 m=10
